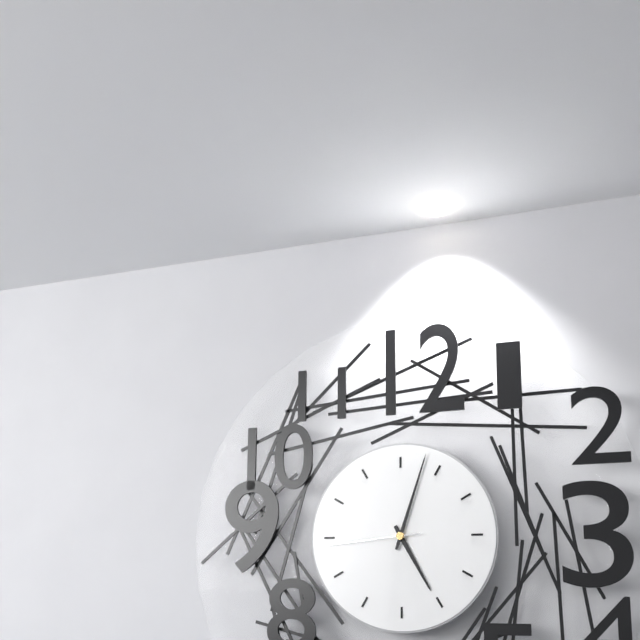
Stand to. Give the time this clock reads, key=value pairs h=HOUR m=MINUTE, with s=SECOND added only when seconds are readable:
h=5 m=3 s=44
